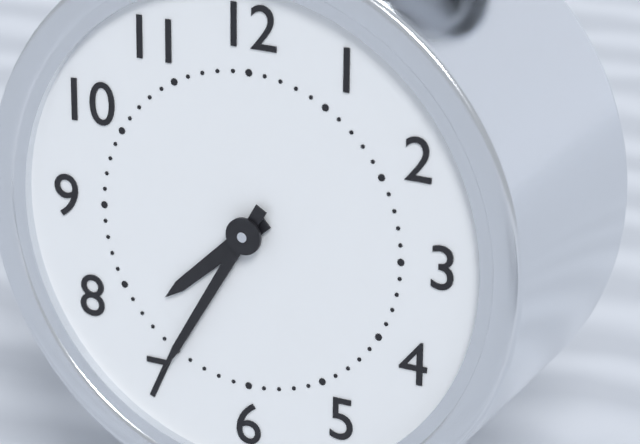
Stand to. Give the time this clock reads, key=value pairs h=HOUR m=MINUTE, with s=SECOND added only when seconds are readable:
h=7 m=35
